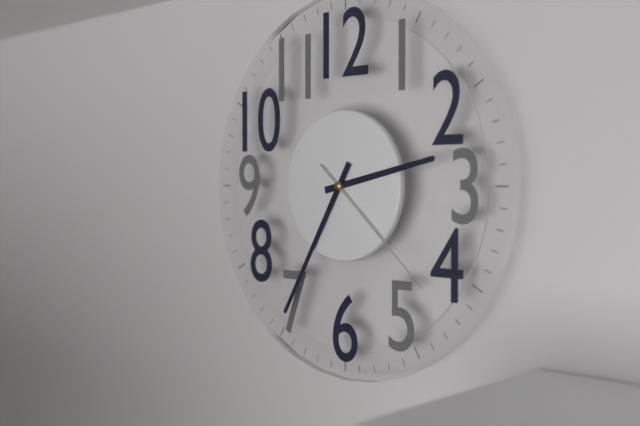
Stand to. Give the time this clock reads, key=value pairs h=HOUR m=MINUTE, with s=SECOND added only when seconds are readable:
h=2 m=35 s=22
